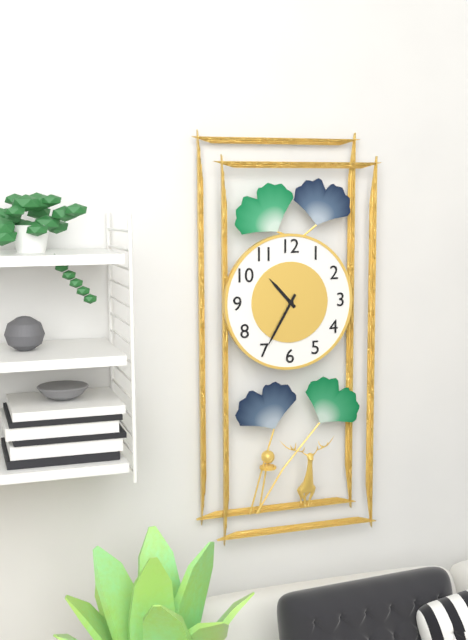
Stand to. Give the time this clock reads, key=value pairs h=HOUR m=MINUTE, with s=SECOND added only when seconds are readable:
h=10 m=35
